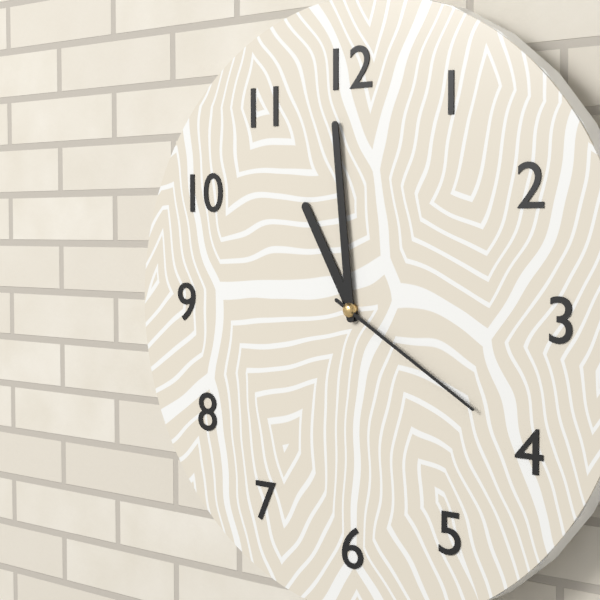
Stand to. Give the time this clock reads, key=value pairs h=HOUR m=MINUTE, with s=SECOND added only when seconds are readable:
h=10 m=59 s=20
